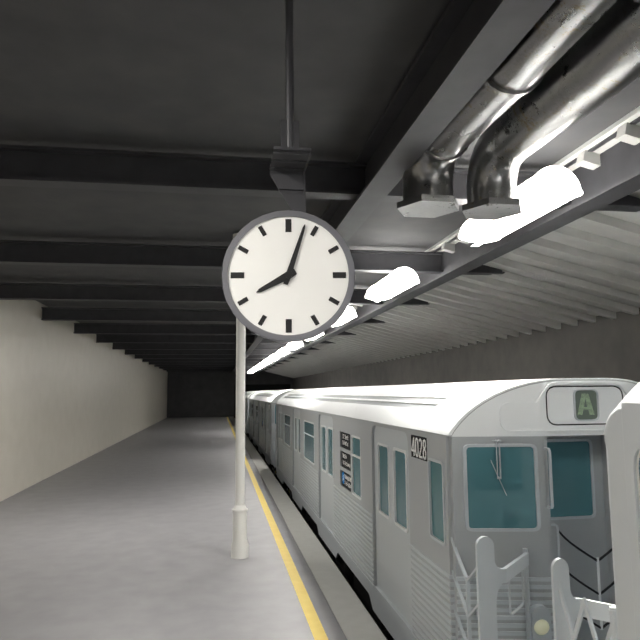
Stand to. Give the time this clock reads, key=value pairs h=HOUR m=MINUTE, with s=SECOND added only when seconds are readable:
h=8 m=3
